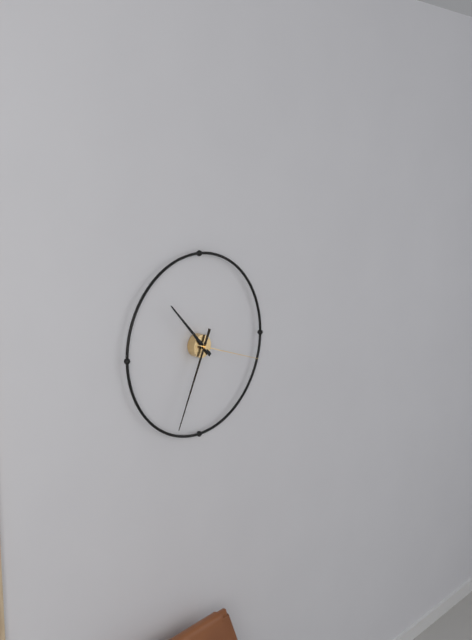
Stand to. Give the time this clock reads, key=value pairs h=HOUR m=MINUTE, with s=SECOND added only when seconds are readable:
h=10 m=34 s=18
